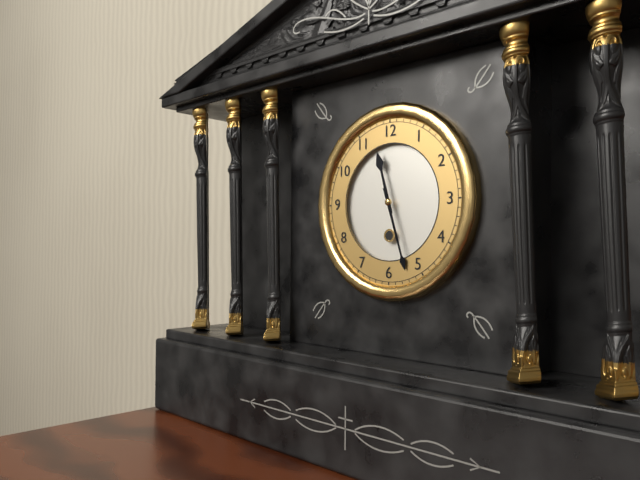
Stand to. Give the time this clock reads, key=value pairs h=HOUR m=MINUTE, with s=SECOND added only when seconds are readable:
h=11 m=27
